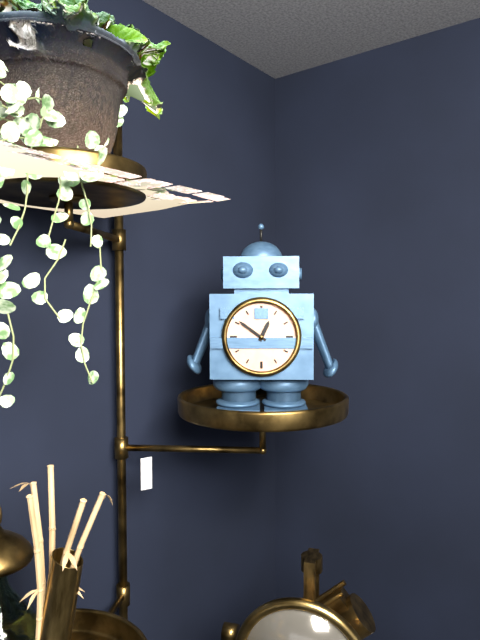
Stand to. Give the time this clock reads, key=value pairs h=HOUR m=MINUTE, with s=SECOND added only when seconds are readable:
h=12 m=51
